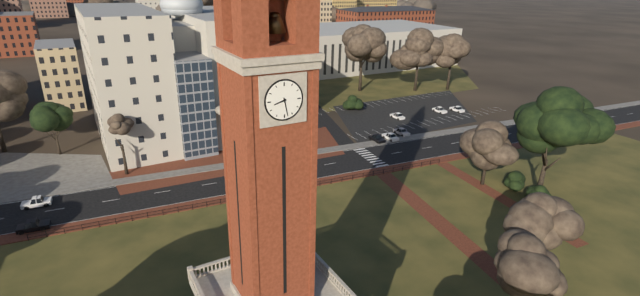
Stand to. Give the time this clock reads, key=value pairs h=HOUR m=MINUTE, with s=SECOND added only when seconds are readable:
h=8 m=28
